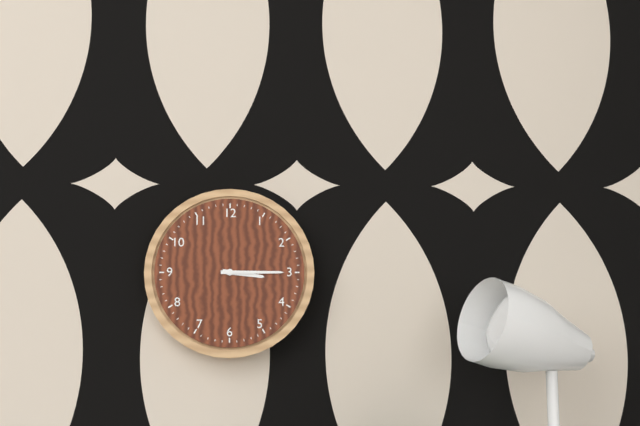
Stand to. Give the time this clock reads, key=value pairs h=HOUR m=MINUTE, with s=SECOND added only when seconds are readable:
h=3 m=15
